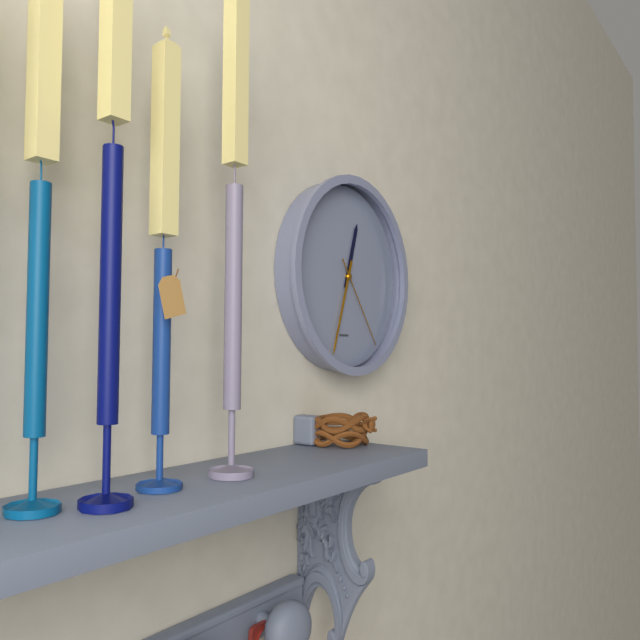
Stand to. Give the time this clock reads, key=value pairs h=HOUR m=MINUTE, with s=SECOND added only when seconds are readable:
h=12 m=33 s=24
